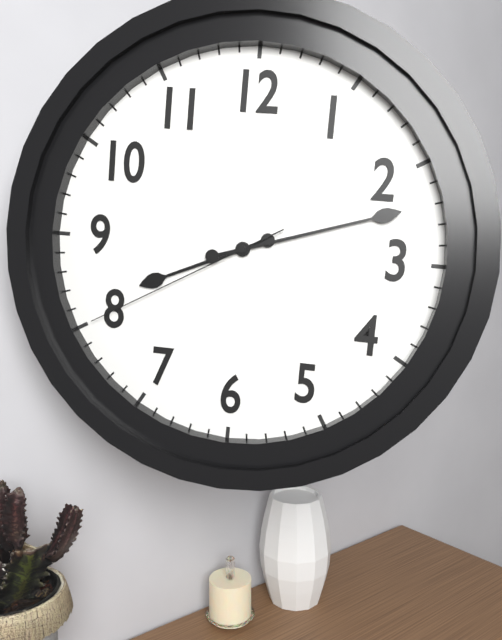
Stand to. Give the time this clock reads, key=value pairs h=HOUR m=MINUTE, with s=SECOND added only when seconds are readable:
h=8 m=12 s=40
